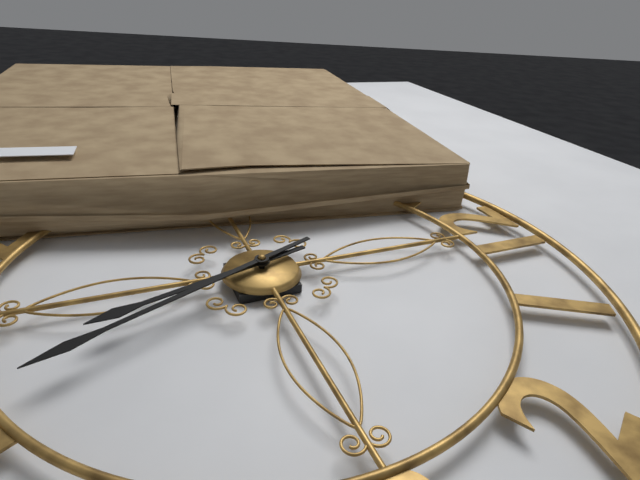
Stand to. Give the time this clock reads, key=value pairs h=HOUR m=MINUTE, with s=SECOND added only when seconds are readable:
h=5 m=26
